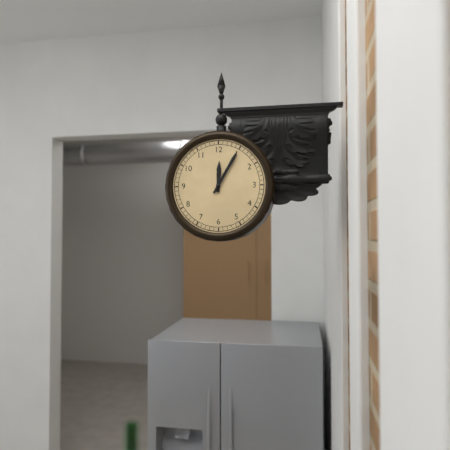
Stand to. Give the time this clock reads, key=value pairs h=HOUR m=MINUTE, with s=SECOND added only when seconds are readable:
h=12 m=5
